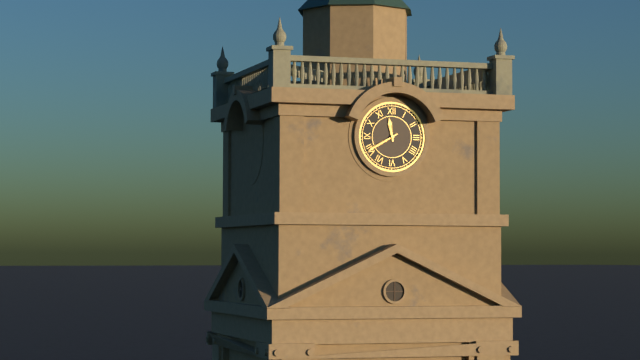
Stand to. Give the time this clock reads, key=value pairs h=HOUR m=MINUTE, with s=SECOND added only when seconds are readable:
h=11 m=40
